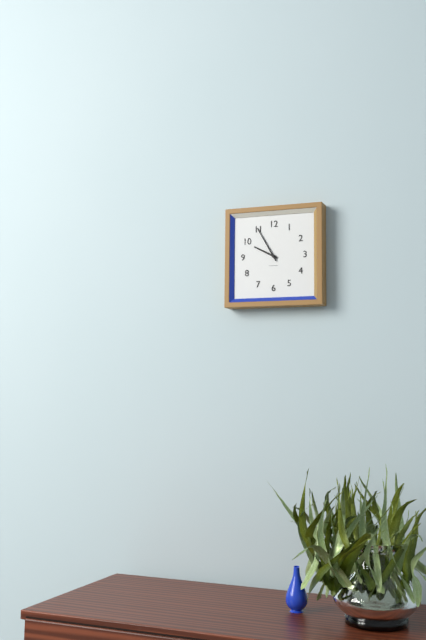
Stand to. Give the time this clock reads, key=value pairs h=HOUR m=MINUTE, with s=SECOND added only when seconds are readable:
h=9 m=55
